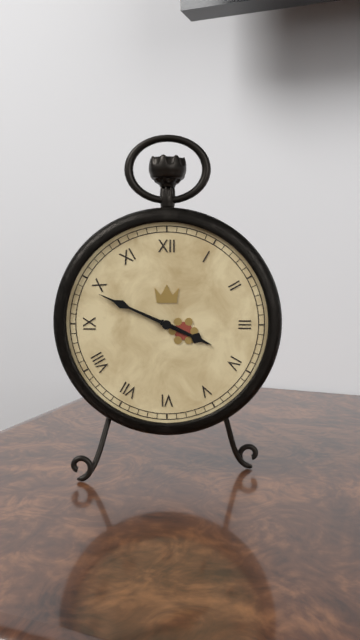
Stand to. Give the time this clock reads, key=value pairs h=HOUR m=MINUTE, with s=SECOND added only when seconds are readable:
h=3 m=49
